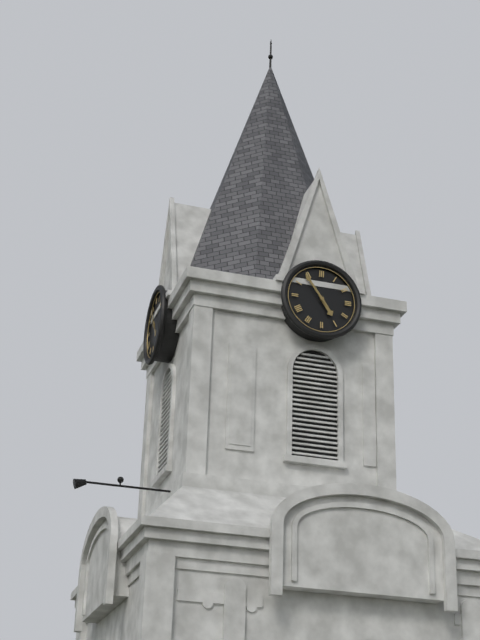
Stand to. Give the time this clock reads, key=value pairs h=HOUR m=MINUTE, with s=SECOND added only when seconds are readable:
h=4 m=54
